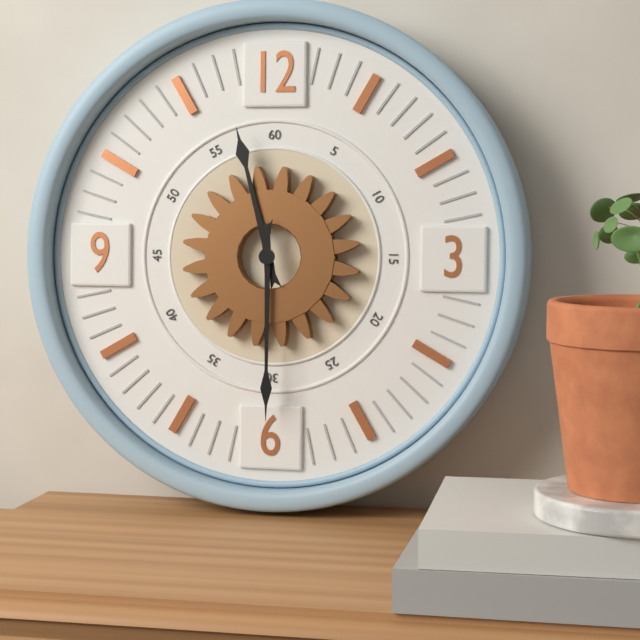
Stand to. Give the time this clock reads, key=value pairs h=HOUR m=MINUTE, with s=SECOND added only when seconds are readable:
h=11 m=30
